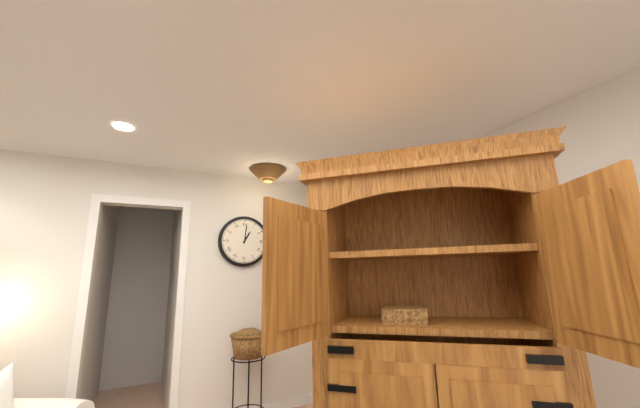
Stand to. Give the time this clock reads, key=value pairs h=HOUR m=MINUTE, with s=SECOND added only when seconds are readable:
h=1 m=1
